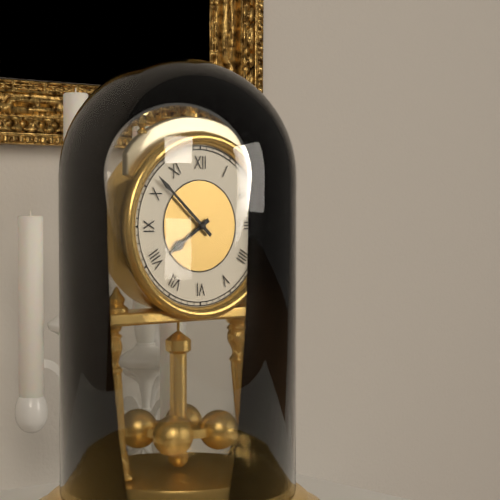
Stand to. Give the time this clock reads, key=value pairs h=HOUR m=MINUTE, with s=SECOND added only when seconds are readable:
h=7 m=52
